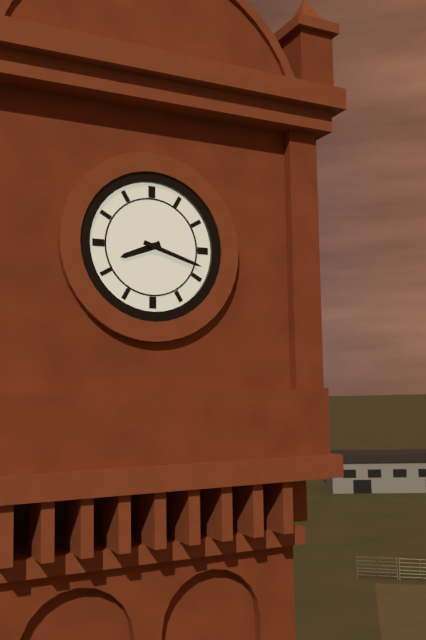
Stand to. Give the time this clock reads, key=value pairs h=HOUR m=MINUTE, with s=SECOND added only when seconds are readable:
h=8 m=18
